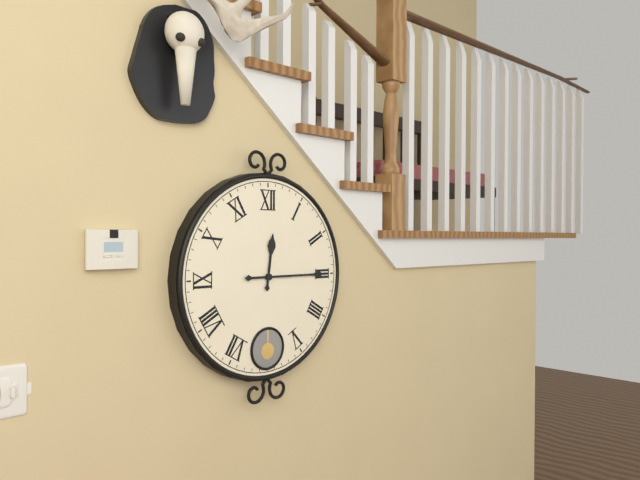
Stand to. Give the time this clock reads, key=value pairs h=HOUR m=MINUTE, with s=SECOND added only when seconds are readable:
h=12 m=15
